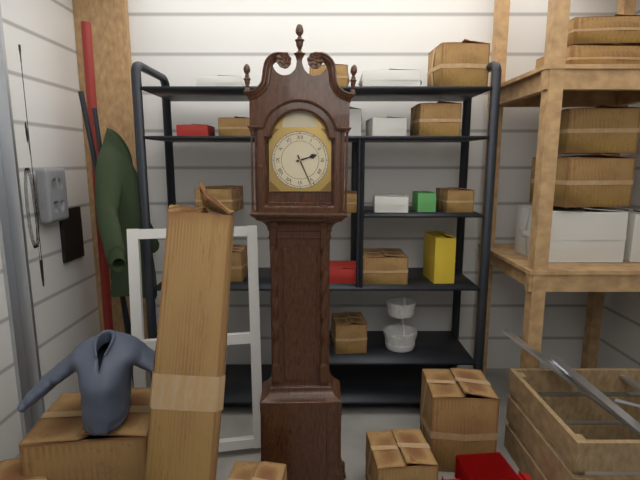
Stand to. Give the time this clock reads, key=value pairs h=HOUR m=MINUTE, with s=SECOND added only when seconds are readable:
h=2 m=26
